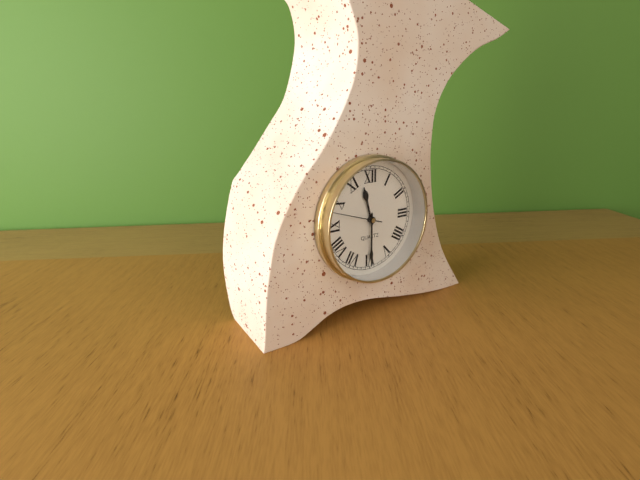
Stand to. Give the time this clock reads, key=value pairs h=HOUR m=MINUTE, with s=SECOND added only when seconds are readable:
h=11 m=30
